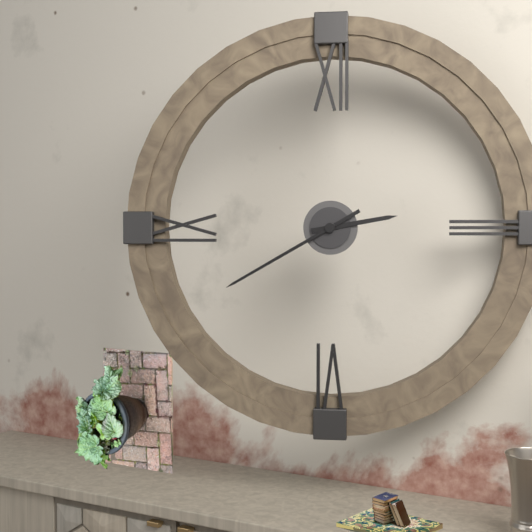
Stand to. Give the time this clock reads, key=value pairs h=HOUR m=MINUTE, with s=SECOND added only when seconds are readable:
h=2 m=40
